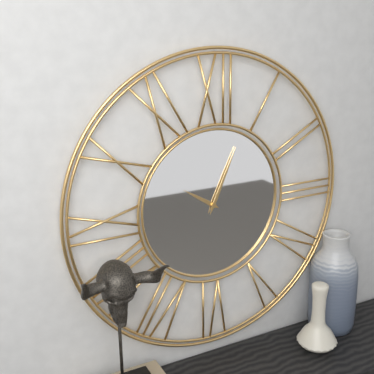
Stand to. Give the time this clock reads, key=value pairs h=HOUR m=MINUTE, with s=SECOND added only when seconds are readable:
h=10 m=4
